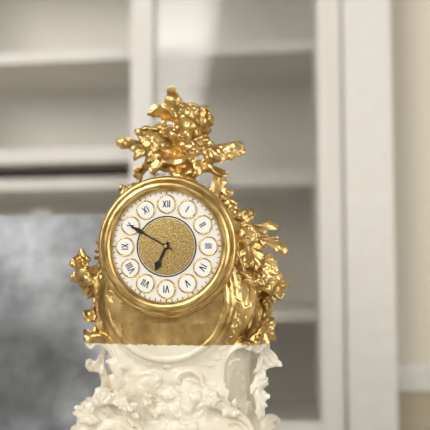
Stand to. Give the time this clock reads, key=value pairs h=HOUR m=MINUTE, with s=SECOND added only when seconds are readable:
h=6 m=50
